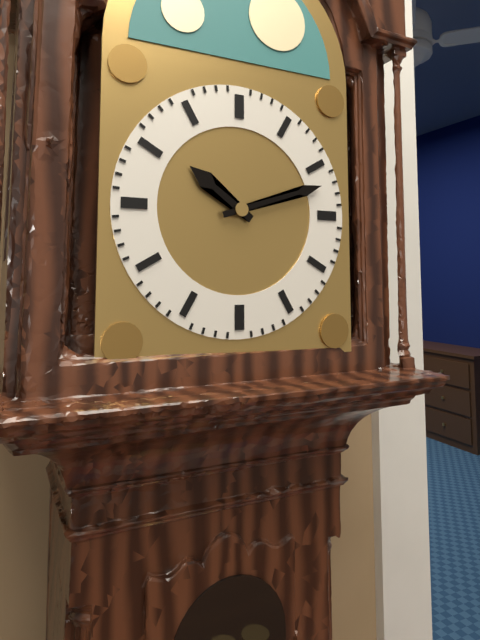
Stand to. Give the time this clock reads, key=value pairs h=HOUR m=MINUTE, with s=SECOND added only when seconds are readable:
h=10 m=12
